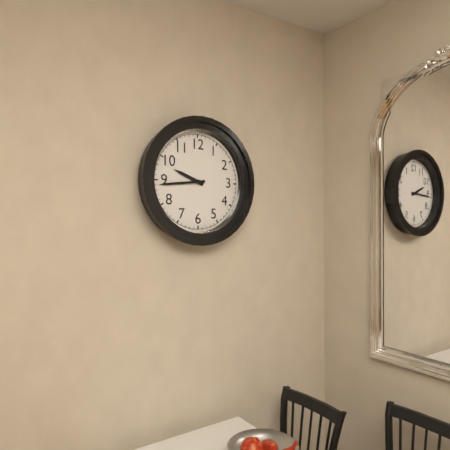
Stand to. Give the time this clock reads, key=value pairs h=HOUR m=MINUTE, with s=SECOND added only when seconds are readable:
h=9 m=44
